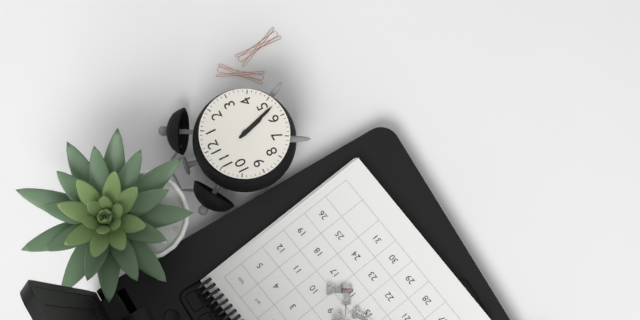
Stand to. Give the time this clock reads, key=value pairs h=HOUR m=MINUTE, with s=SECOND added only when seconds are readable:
h=5 m=27
